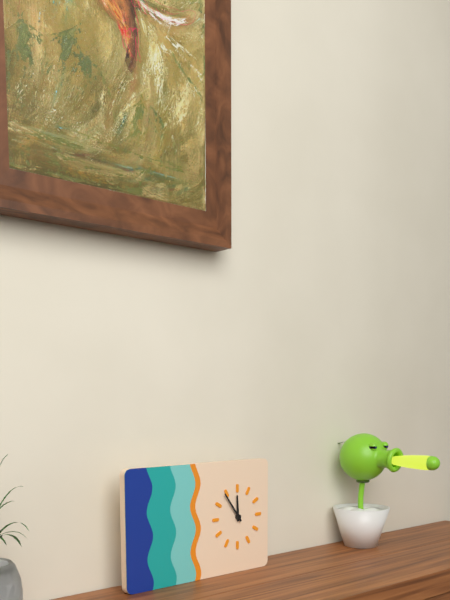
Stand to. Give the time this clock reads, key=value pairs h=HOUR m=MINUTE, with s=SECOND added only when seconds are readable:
h=11 m=54
